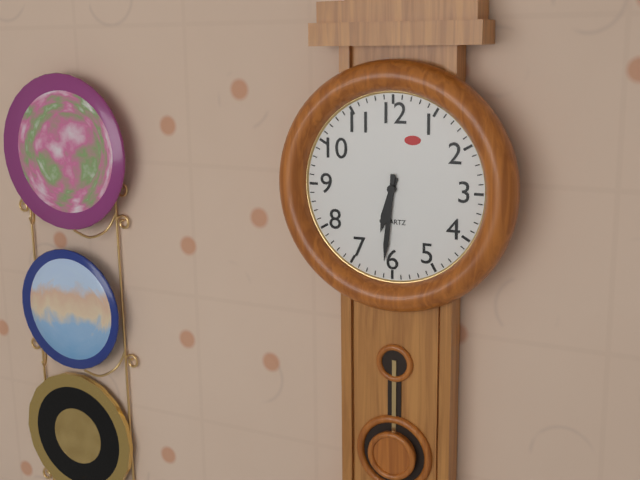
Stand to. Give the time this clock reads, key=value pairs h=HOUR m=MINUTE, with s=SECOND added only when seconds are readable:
h=6 m=31
